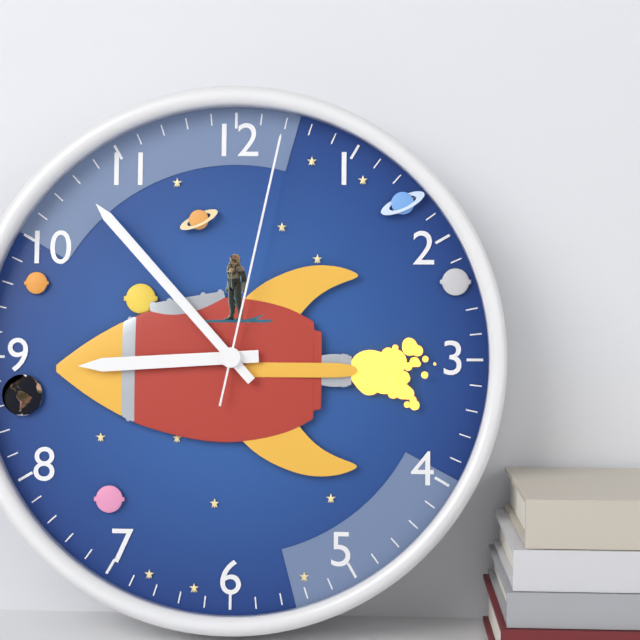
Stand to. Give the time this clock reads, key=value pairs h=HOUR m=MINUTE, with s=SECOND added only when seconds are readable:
h=8 m=53 s=2
